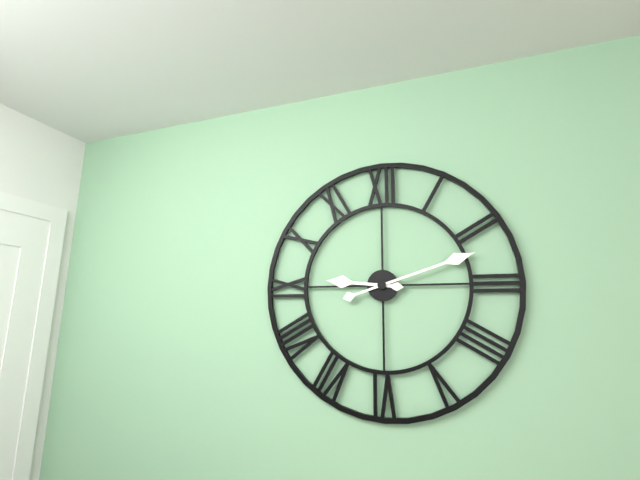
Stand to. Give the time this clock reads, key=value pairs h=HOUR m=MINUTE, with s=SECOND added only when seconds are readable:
h=9 m=12
